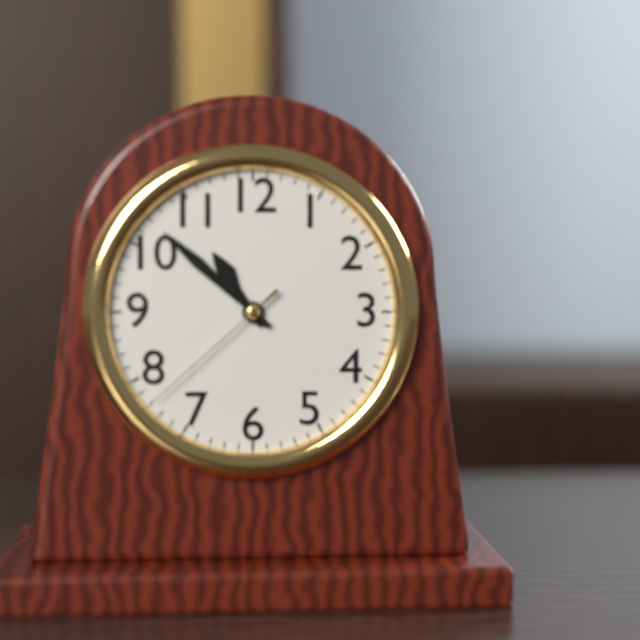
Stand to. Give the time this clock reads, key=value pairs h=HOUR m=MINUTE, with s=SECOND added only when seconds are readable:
h=10 m=52 s=38
